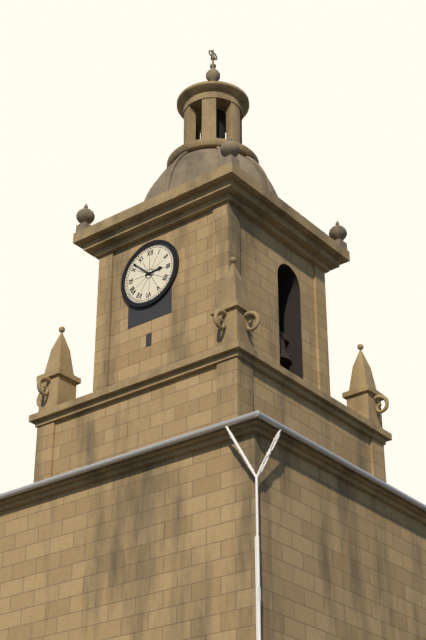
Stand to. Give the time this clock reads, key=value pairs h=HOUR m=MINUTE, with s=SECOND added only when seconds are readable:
h=2 m=52
